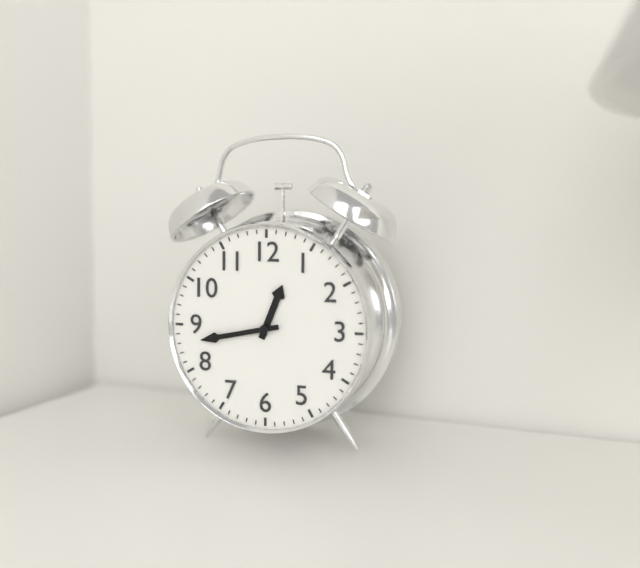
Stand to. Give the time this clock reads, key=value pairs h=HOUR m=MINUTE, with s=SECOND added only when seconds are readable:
h=12 m=43
